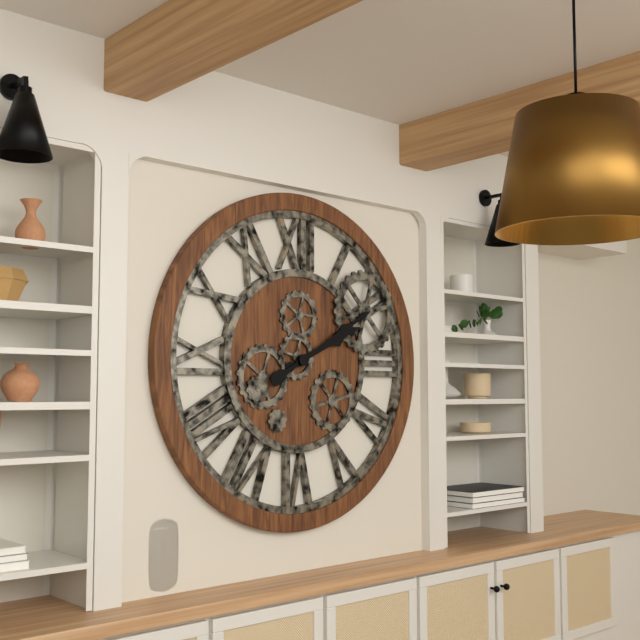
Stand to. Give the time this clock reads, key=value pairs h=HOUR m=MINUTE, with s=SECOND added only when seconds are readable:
h=2 m=10
